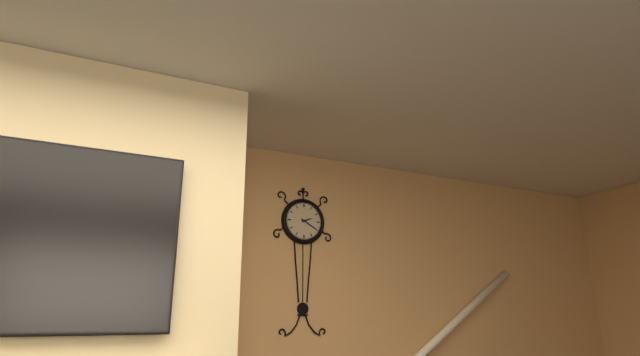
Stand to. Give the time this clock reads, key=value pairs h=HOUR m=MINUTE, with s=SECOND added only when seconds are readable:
h=2 m=20
